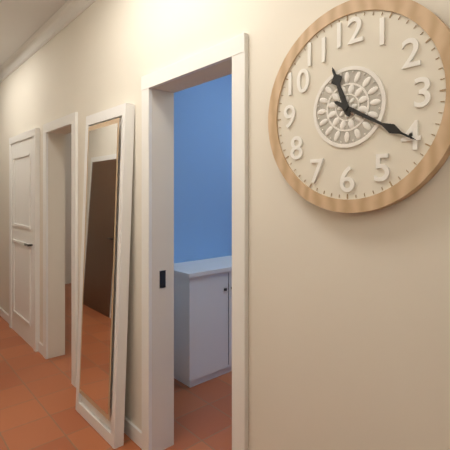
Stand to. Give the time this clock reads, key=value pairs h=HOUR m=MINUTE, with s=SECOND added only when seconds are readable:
h=11 m=20
